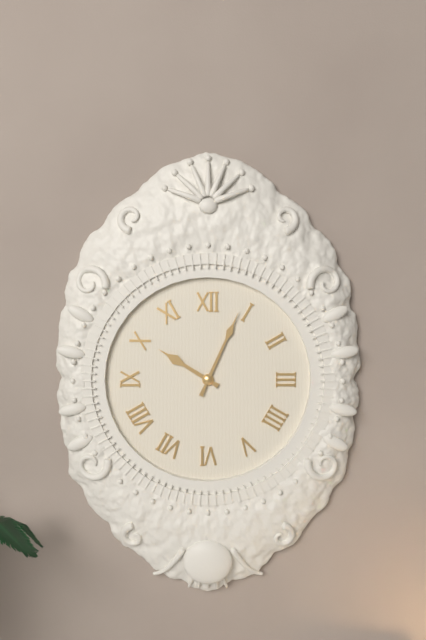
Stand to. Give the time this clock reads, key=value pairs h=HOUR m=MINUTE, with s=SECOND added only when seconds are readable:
h=10 m=4
